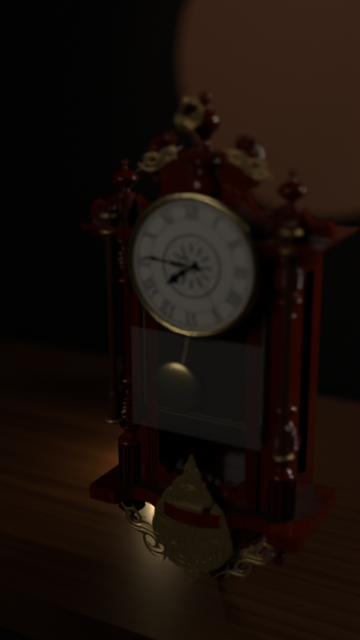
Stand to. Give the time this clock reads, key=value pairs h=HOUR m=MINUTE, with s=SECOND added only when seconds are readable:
h=7 m=46 s=24
